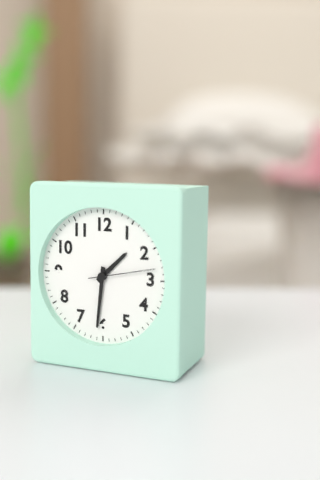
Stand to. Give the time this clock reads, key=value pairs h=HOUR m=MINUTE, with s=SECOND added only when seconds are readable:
h=1 m=31 s=13
